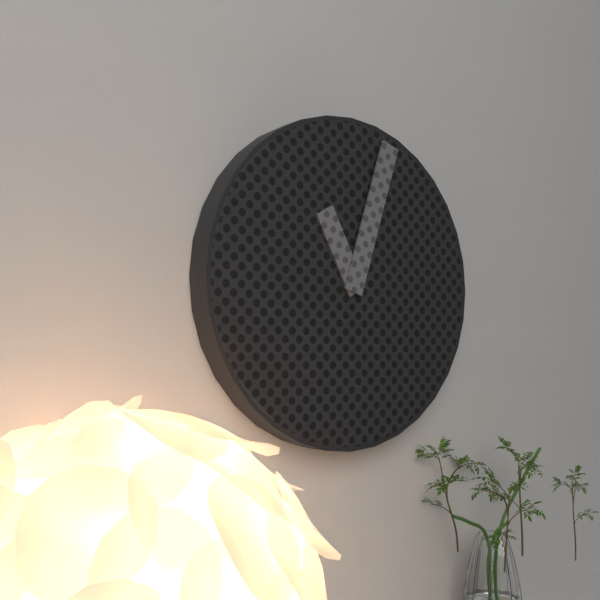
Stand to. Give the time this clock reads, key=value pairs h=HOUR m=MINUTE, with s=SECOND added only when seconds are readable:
h=11 m=3
